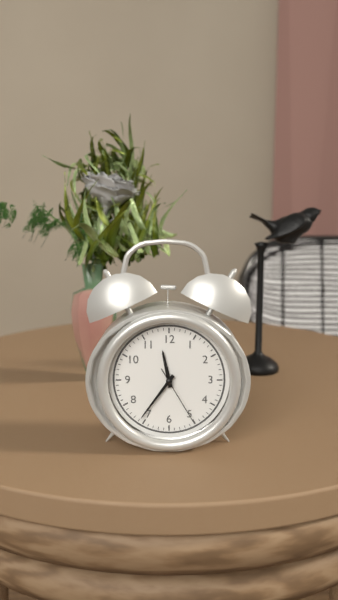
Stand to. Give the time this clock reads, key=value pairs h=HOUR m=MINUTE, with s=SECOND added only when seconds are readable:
h=11 m=36 s=25
